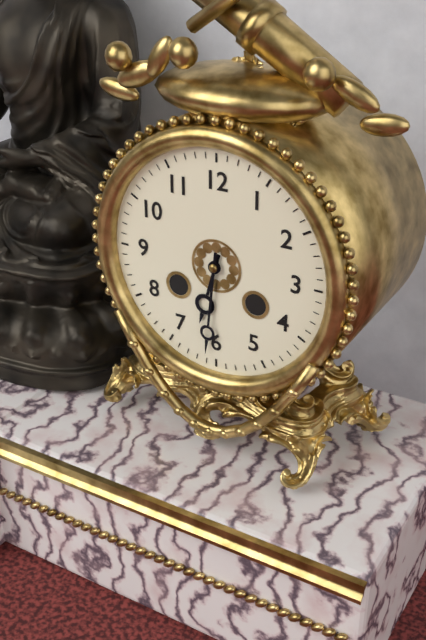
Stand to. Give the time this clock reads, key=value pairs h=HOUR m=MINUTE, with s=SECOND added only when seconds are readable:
h=6 m=31
